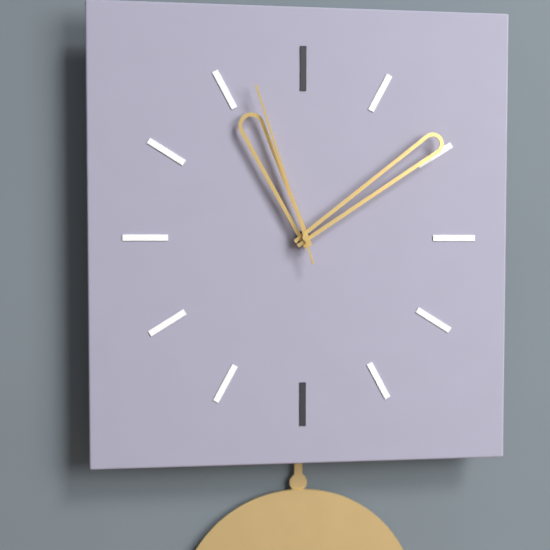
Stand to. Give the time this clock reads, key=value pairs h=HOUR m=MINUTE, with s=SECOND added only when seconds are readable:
h=11 m=9 s=57
